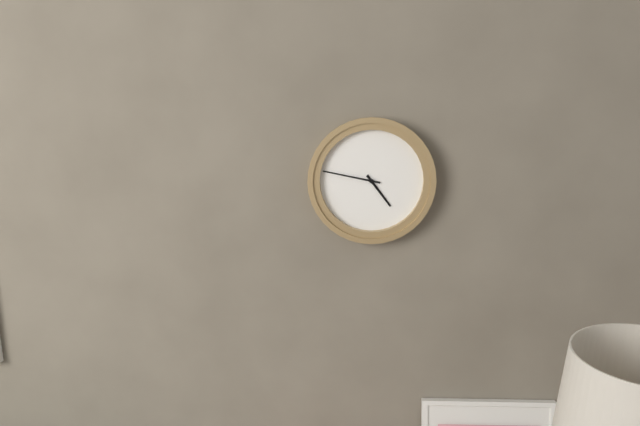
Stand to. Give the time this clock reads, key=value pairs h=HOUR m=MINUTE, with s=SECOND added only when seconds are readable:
h=4 m=47
